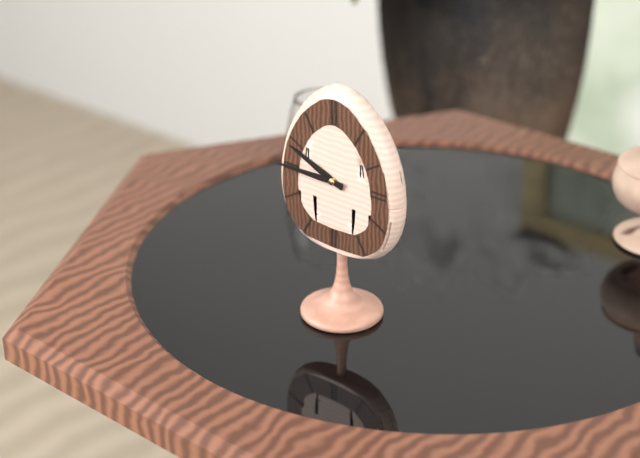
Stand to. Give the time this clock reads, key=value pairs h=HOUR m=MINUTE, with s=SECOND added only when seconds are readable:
h=9 m=45
